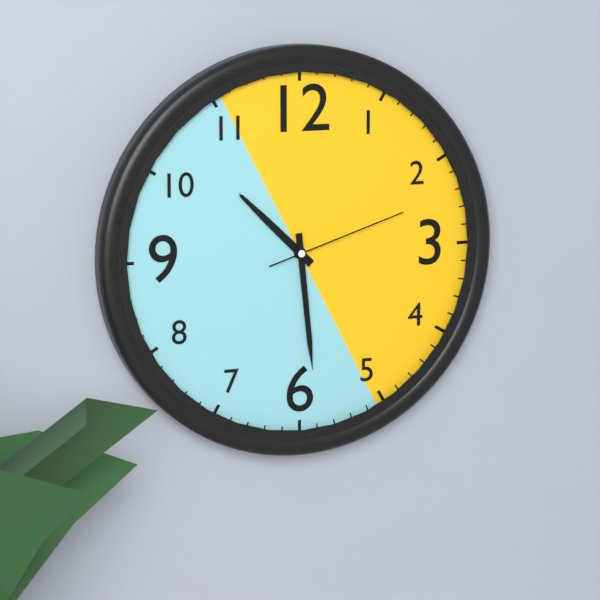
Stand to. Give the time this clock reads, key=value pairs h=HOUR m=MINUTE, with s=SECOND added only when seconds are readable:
h=10 m=29 s=12
